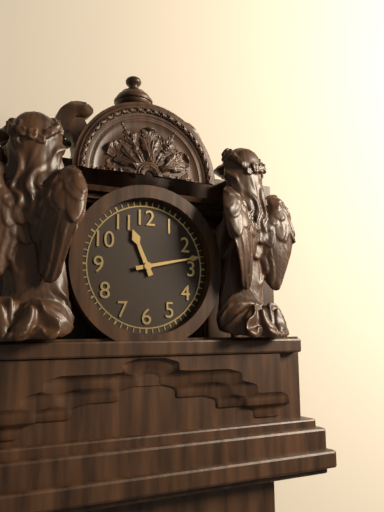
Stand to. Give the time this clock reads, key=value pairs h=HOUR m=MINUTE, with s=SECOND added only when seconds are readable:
h=11 m=13
